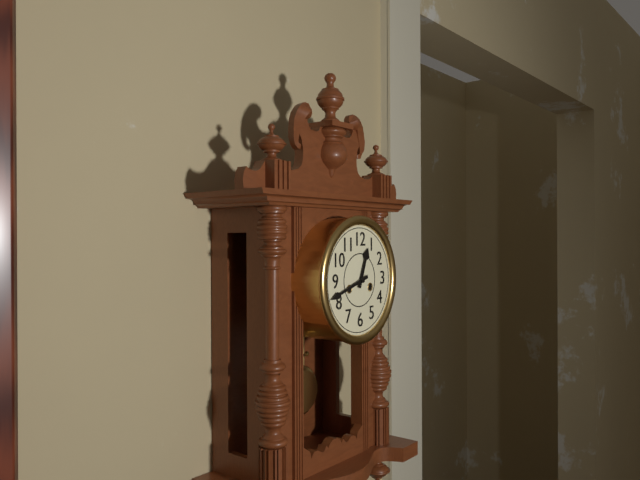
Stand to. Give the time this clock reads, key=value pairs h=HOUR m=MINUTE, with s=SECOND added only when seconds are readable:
h=12 m=42
